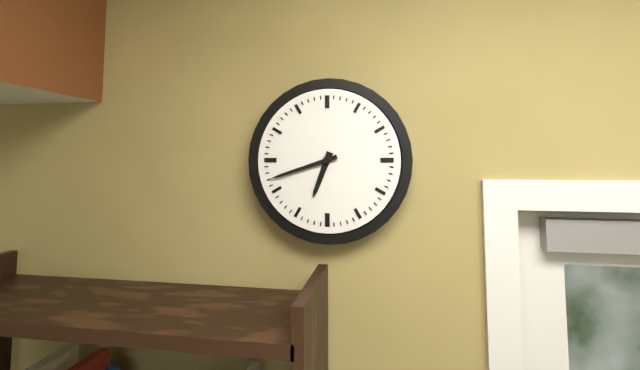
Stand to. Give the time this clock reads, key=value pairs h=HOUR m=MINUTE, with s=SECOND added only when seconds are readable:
h=6 m=42
